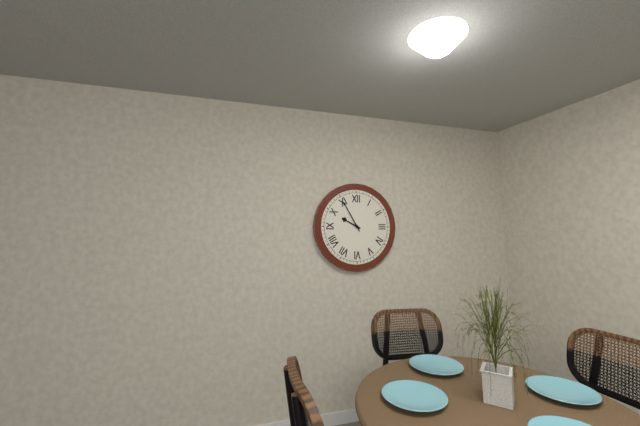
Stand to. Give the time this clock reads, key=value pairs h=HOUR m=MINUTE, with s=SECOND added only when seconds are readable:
h=9 m=55
